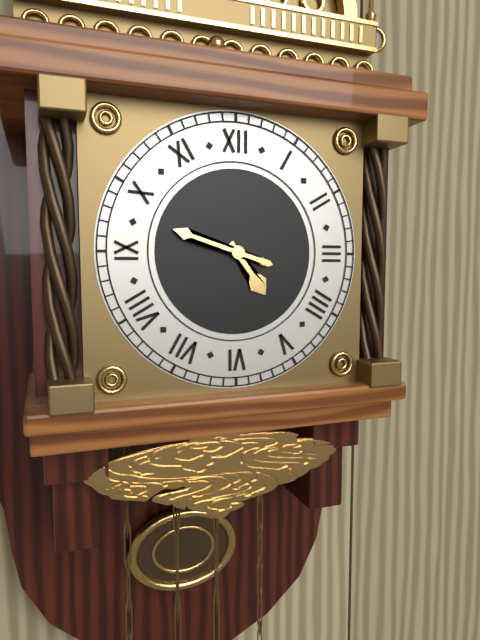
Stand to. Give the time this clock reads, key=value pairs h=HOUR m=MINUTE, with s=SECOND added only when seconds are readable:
h=4 m=48
